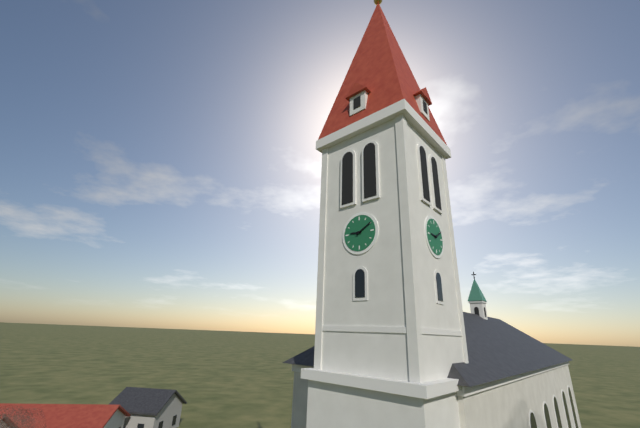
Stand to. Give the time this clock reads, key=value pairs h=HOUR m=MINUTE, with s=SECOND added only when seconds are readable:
h=9 m=10
